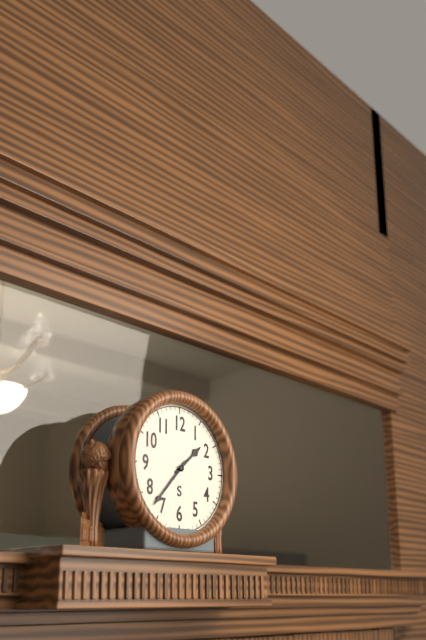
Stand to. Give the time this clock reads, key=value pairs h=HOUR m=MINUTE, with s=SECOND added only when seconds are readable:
h=1 m=37
